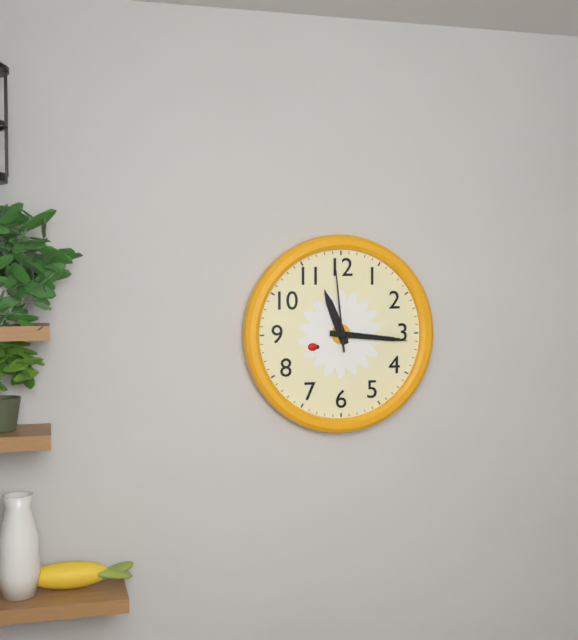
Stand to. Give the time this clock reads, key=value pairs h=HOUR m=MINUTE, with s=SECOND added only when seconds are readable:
h=11 m=16 s=59
